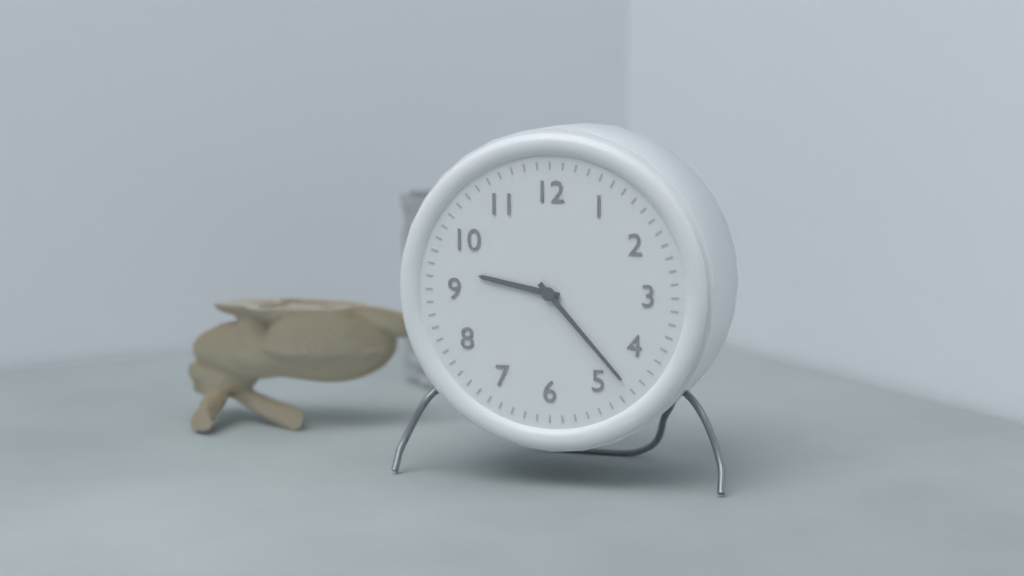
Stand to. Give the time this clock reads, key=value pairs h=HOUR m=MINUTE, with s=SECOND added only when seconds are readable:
h=9 m=23
